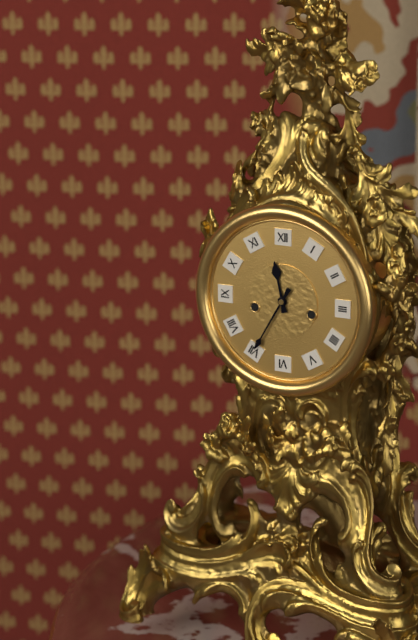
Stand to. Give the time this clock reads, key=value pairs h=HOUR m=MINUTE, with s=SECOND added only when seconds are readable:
h=11 m=35
